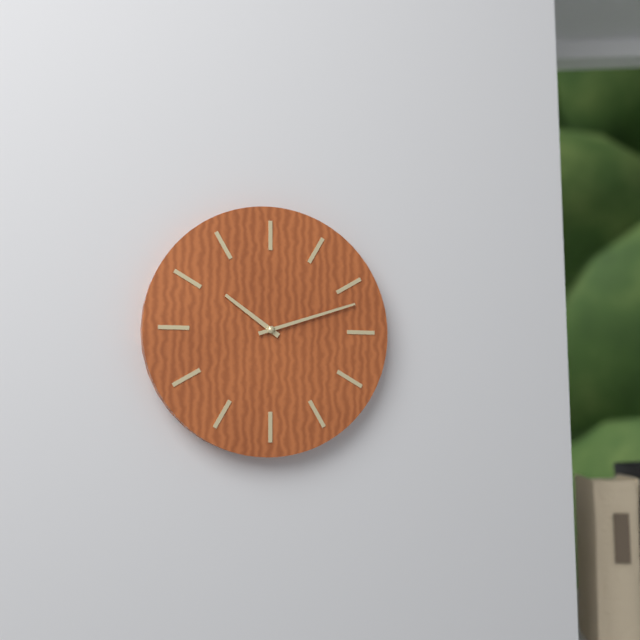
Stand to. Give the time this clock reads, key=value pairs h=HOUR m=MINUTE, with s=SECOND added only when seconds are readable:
h=10 m=12
